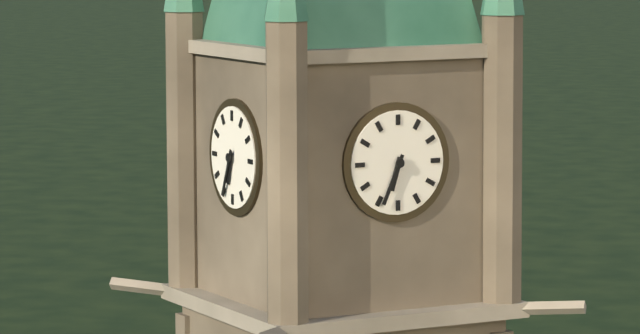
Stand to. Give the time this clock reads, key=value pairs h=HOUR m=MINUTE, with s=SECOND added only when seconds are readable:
h=6 m=34
